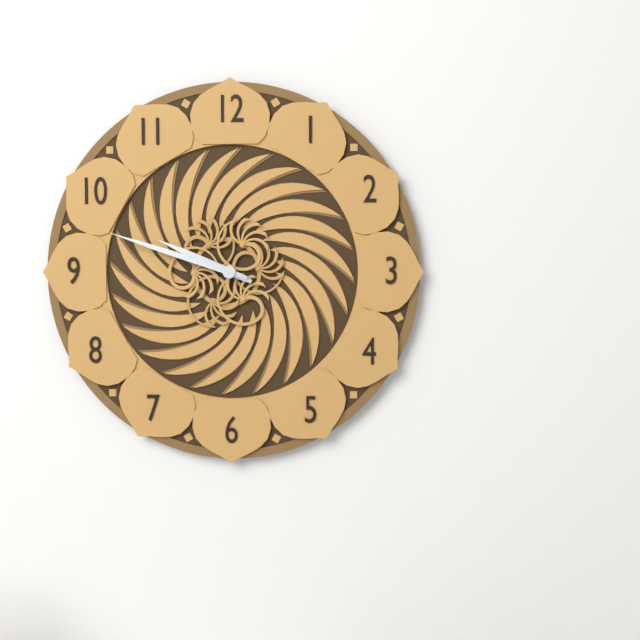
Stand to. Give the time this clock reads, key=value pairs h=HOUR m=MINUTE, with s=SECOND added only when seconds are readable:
h=9 m=48
